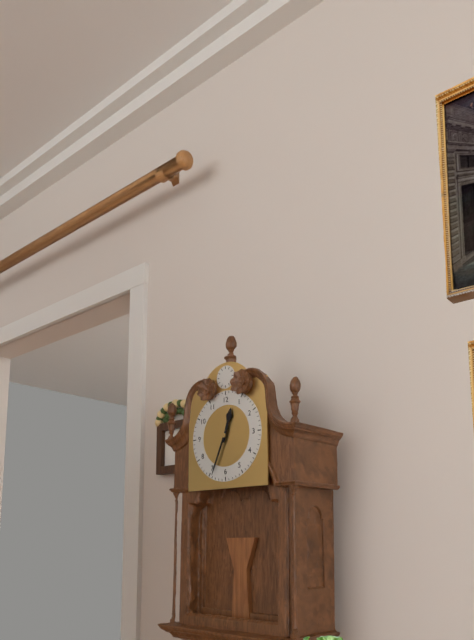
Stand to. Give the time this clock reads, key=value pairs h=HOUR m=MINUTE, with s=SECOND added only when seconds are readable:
h=12 m=34
